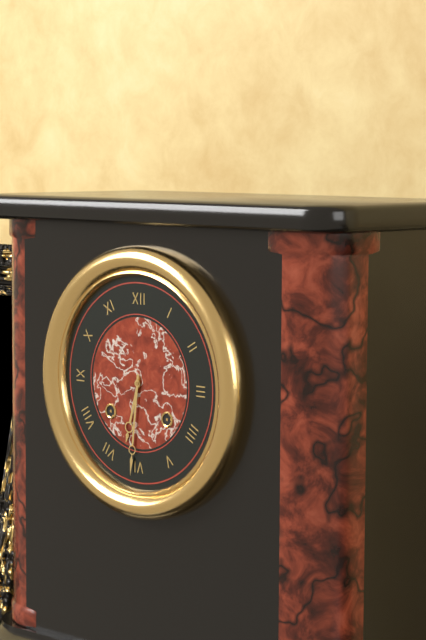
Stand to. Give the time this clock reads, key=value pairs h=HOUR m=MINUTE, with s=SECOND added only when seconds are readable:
h=6 m=31
